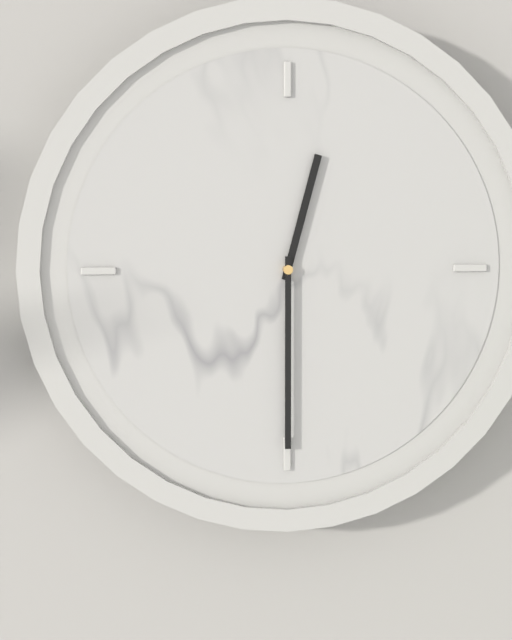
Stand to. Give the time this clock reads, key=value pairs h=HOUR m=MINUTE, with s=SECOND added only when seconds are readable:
h=12 m=30
